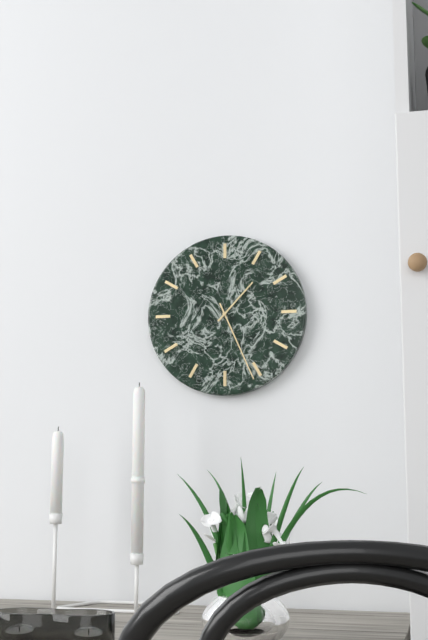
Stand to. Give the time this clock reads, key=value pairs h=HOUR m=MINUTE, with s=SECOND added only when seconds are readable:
h=1 m=26
